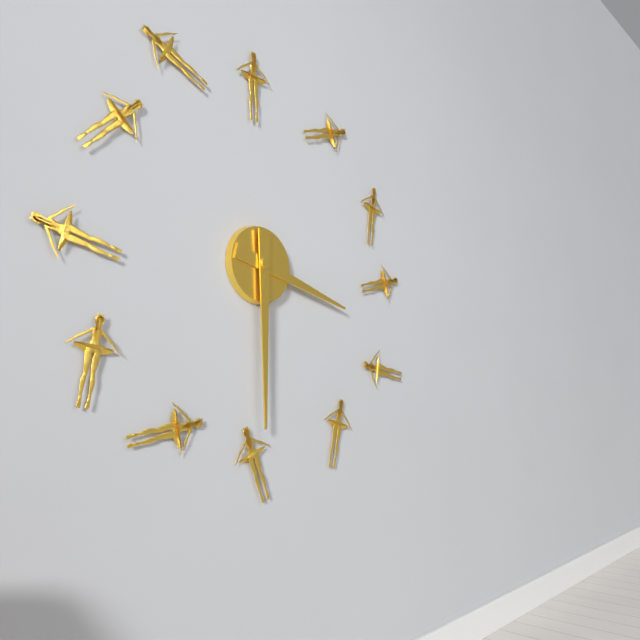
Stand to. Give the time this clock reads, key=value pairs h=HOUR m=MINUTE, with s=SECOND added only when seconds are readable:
h=3 m=30
